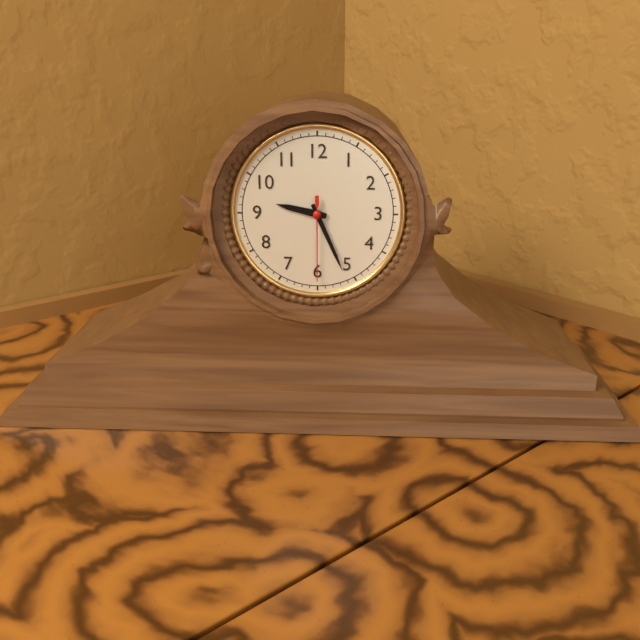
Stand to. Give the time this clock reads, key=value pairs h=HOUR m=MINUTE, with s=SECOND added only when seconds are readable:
h=9 m=26 s=30
